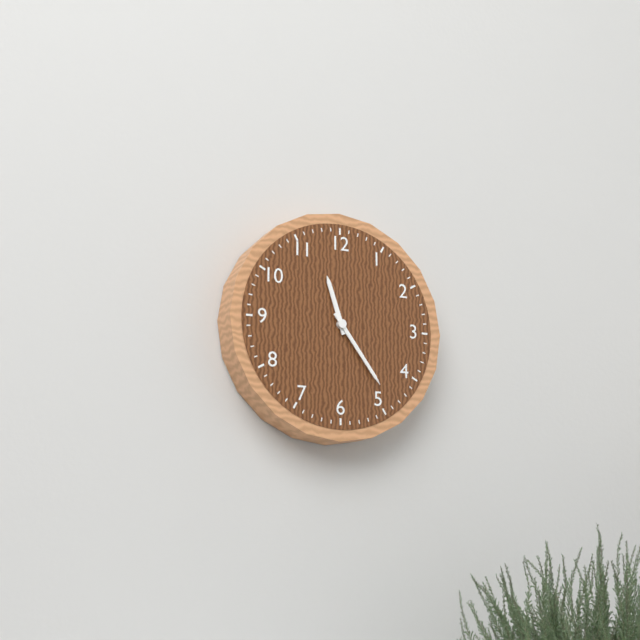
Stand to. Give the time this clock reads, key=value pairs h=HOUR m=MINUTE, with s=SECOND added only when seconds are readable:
h=11 m=24
